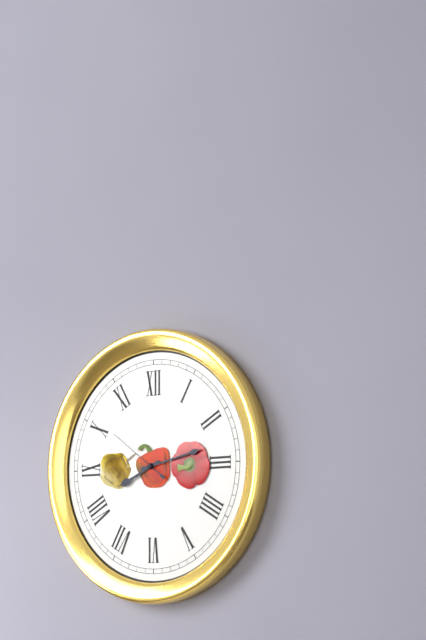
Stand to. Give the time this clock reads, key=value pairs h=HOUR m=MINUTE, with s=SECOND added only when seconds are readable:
h=8 m=13 s=51
